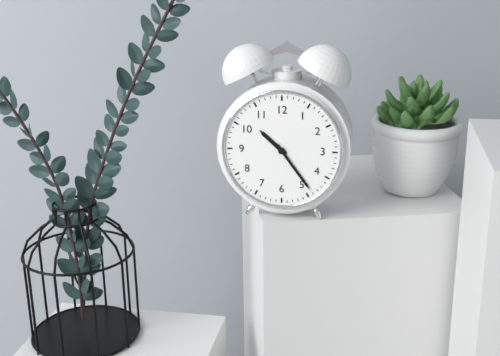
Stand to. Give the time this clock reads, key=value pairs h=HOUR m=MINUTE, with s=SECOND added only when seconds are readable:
h=10 m=24
